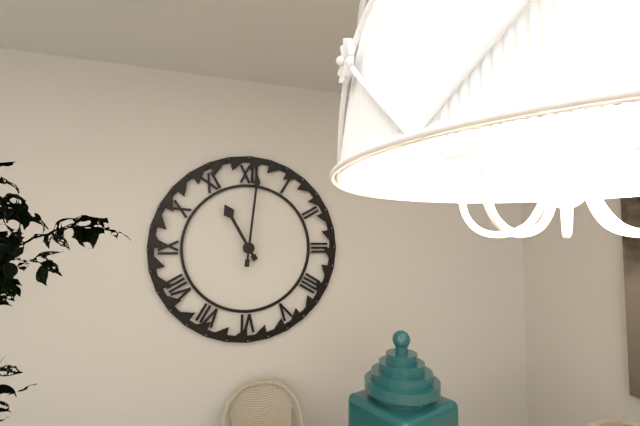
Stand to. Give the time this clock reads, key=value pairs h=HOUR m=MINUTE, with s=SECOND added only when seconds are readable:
h=11 m=1
